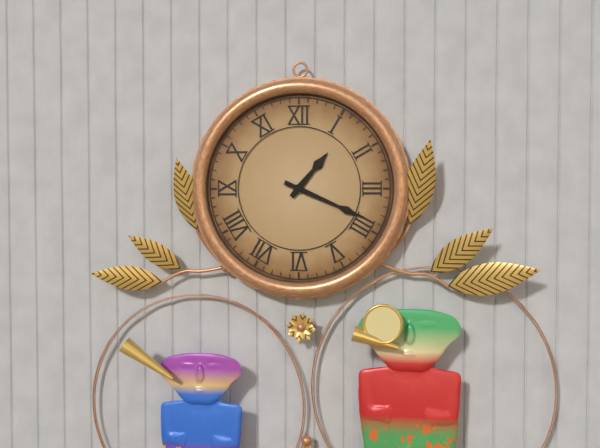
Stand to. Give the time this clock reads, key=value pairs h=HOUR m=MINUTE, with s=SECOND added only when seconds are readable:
h=1 m=19
